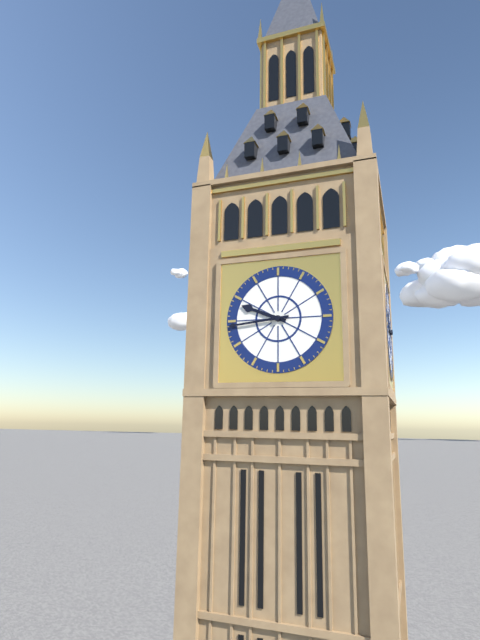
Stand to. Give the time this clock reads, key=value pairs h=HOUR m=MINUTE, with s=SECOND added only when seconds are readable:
h=9 m=44
